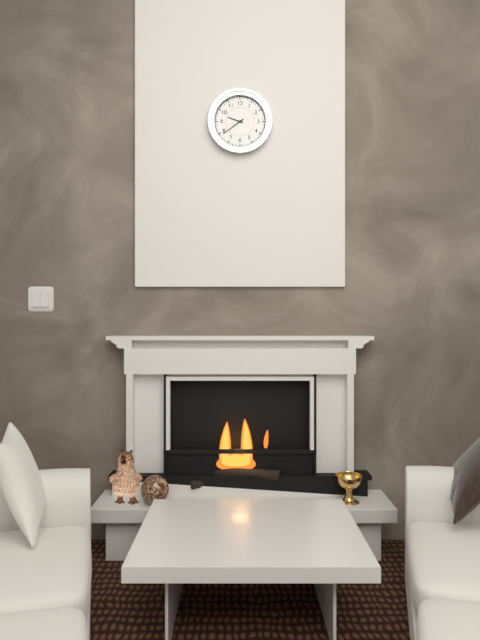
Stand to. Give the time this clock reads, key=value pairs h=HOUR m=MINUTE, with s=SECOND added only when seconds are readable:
h=9 m=39
